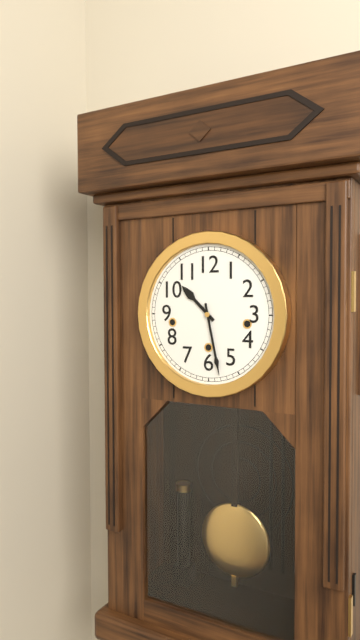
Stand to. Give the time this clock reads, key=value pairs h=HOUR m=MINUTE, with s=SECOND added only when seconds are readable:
h=10 m=28
